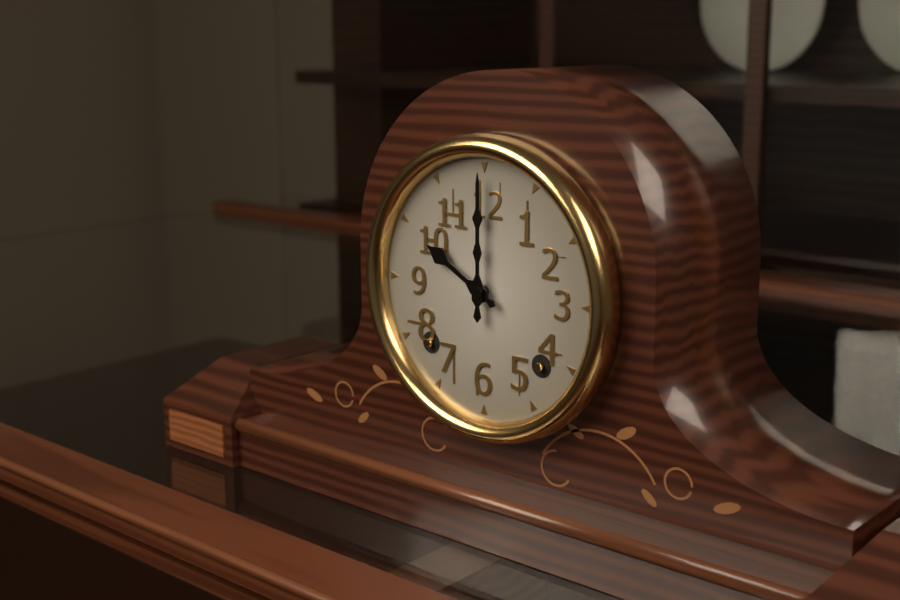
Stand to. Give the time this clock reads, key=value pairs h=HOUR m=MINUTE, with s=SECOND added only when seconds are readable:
h=10 m=0
